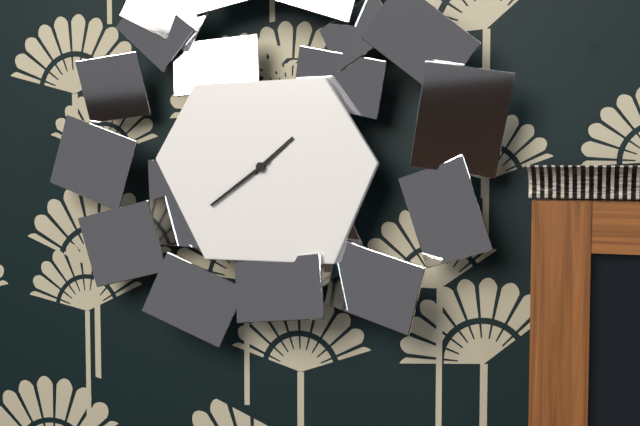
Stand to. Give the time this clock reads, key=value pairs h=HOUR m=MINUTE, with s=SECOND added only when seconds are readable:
h=1 m=39
